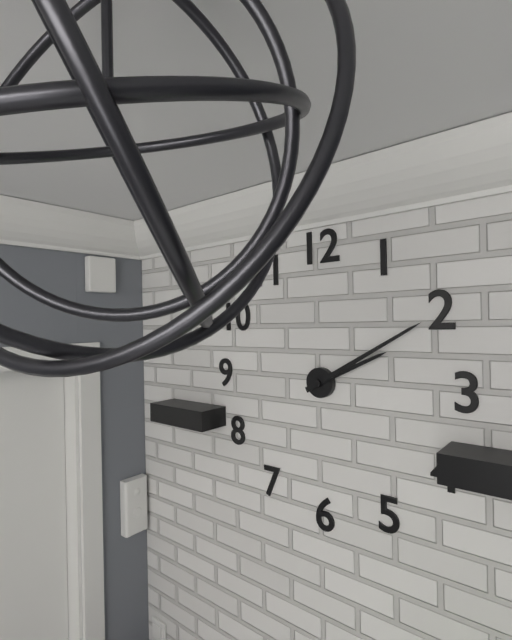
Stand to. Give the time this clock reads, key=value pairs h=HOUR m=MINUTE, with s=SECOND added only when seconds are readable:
h=2 m=10
